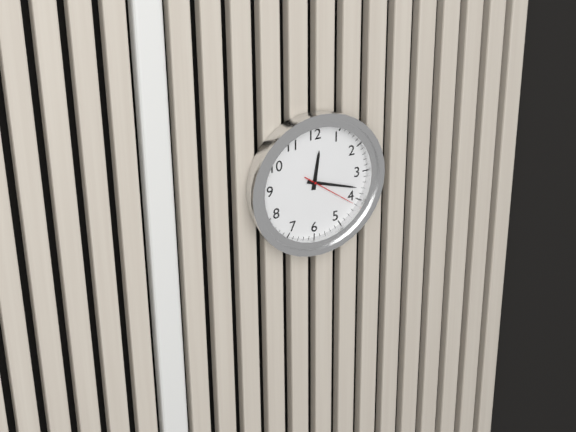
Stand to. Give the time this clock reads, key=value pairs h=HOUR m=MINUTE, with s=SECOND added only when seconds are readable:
h=12 m=18 s=21
